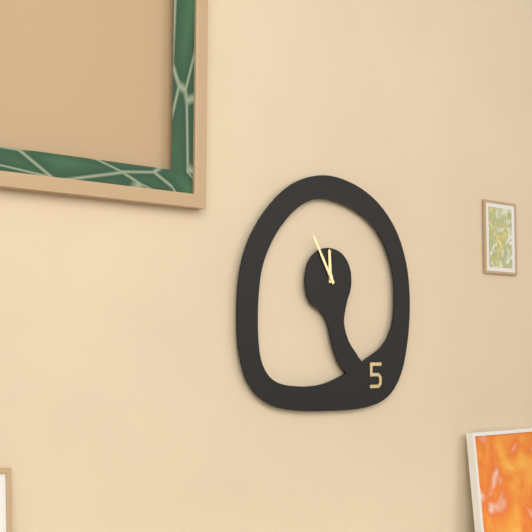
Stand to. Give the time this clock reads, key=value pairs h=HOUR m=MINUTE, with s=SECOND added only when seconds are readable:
h=11 m=55
